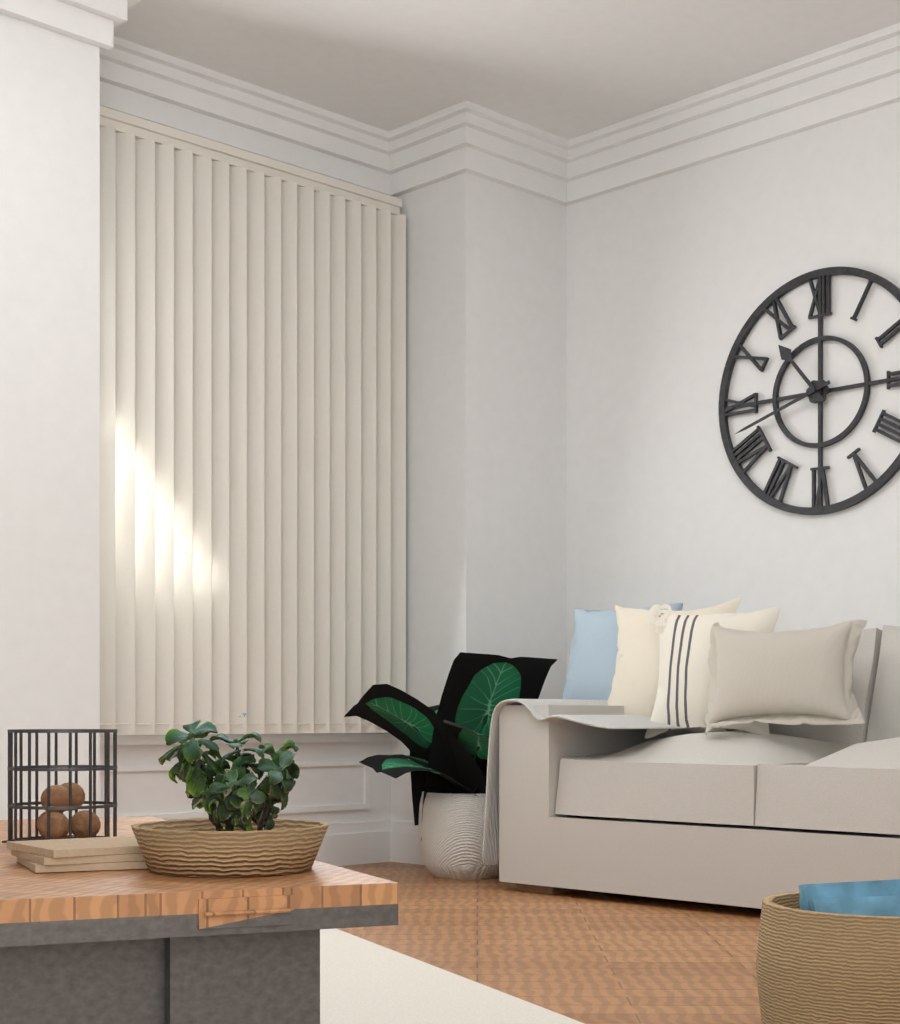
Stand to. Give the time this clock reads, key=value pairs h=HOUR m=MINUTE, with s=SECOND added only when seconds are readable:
h=10 m=42
